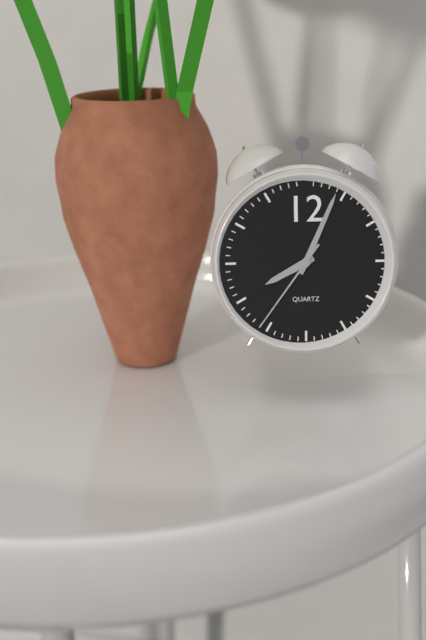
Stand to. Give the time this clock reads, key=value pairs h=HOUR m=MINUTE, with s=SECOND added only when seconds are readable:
h=8 m=4 s=36
